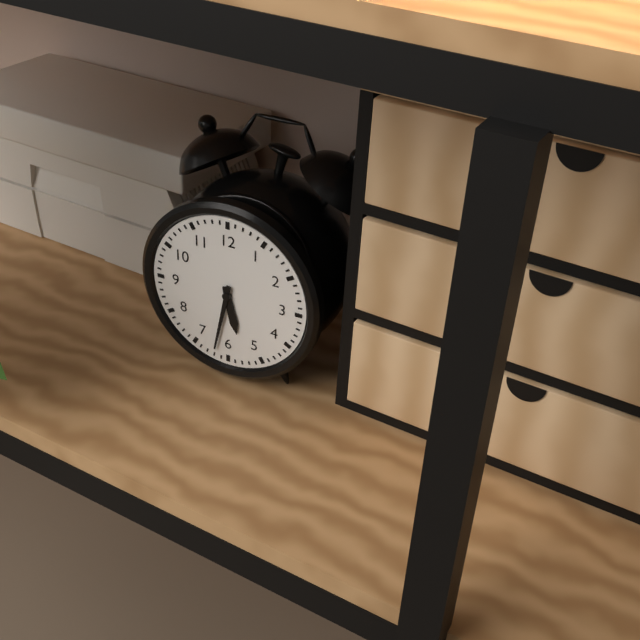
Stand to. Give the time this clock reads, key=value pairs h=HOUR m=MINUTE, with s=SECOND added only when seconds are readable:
h=5 m=32
